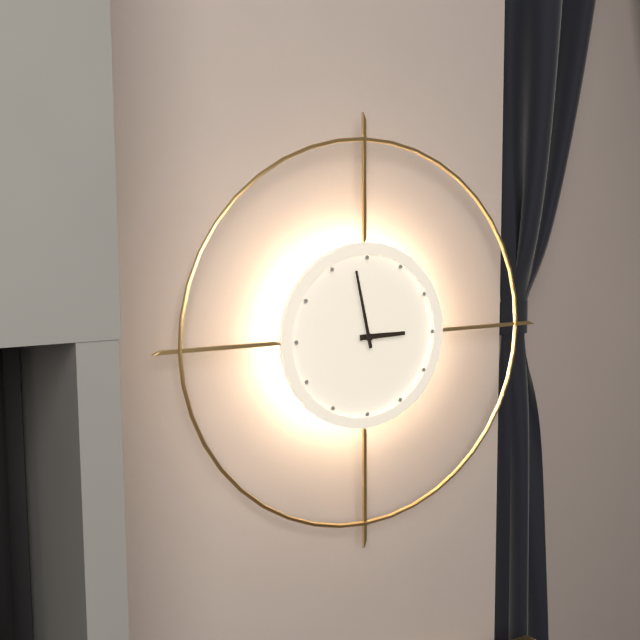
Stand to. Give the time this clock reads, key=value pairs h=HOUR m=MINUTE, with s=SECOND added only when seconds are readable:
h=2 m=58
